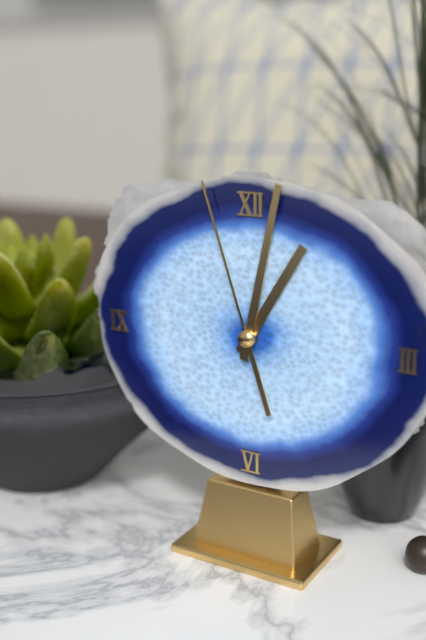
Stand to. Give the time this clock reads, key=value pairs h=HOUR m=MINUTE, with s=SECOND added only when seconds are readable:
h=1 m=2 s=57
